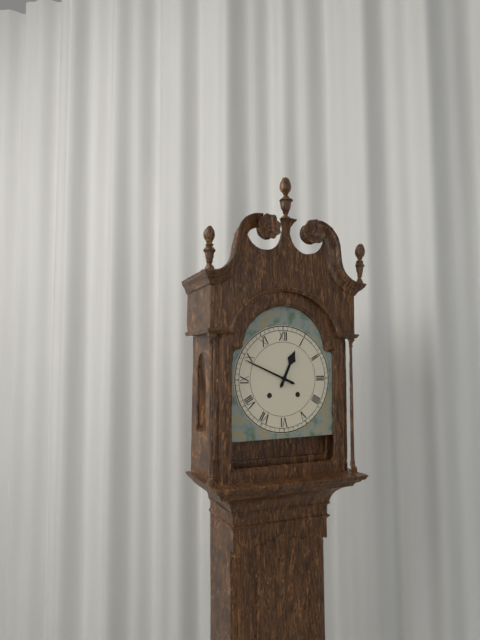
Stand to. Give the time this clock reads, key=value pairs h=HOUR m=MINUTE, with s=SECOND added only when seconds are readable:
h=12 m=49
